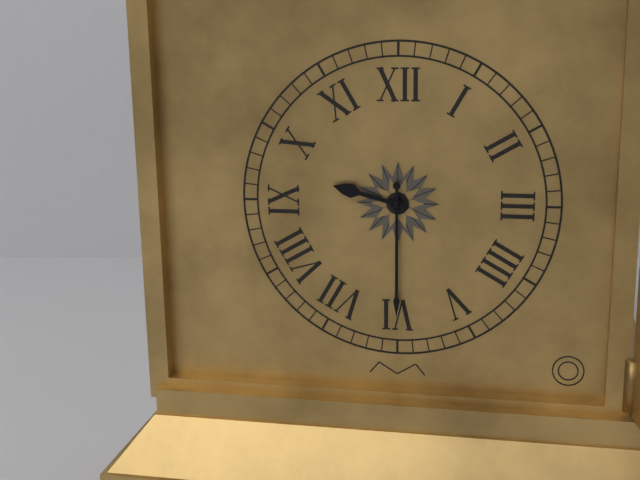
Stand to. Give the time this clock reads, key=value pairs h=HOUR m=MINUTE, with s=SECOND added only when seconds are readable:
h=9 m=30
